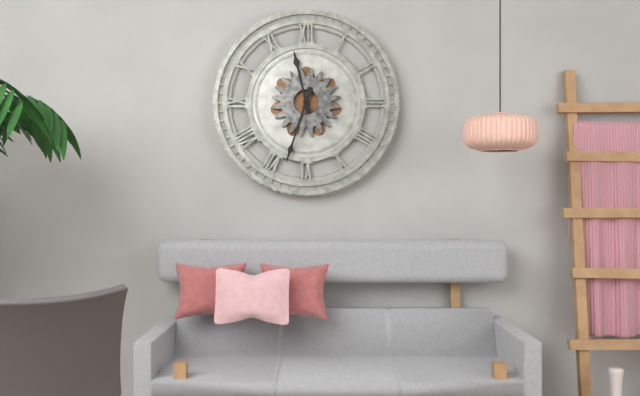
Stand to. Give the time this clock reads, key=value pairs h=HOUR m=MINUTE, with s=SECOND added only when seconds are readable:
h=11 m=33
